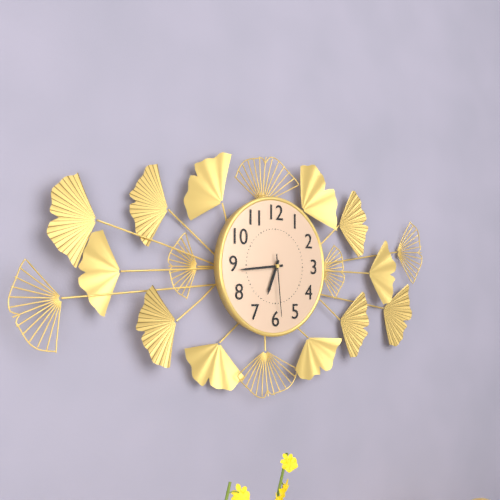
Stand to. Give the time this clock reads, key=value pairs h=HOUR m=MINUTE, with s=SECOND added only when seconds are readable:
h=6 m=44 s=29
